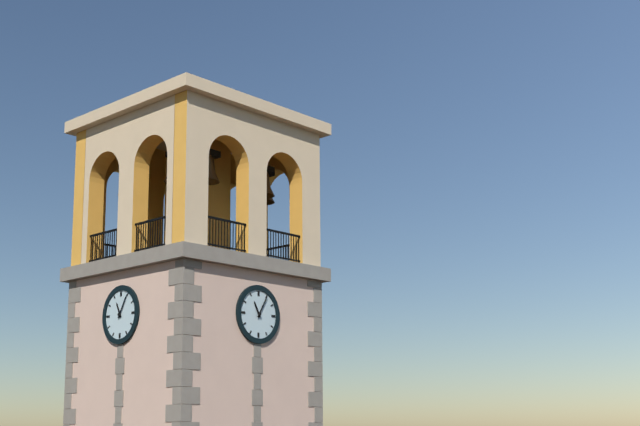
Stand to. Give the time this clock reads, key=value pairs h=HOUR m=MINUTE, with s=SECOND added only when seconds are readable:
h=11 m=5
